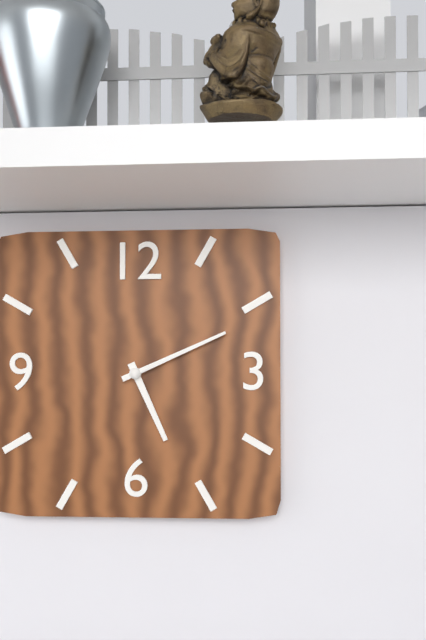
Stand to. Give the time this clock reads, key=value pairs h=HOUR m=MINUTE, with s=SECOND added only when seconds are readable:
h=5 m=11
